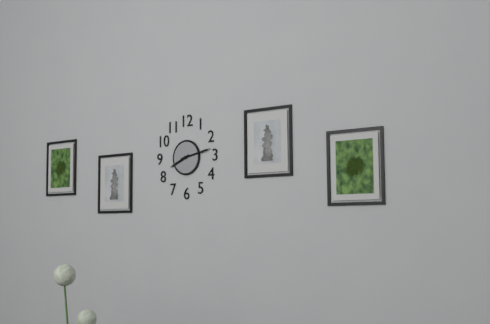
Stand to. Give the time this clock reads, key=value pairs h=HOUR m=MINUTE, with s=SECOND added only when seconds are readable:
h=8 m=13
